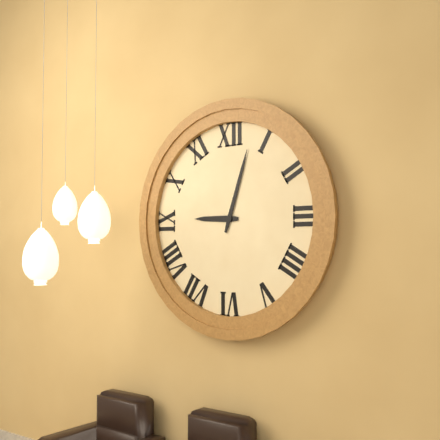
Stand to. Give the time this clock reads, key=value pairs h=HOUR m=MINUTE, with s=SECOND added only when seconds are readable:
h=9 m=3
